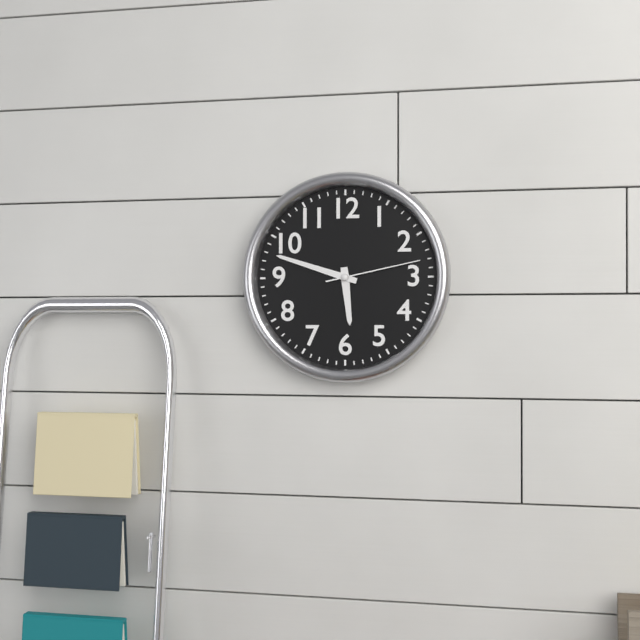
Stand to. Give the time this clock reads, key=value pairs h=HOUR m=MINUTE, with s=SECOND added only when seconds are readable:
h=5 m=48 s=13
